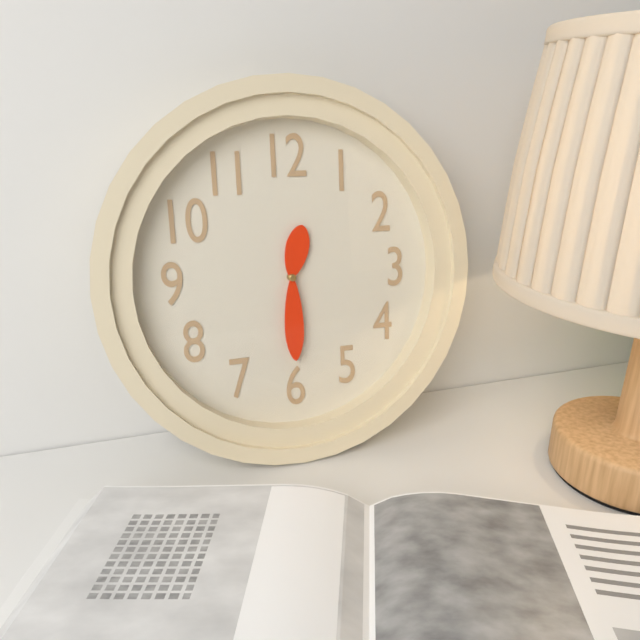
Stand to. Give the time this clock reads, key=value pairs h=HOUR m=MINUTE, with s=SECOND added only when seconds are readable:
h=12 m=30
